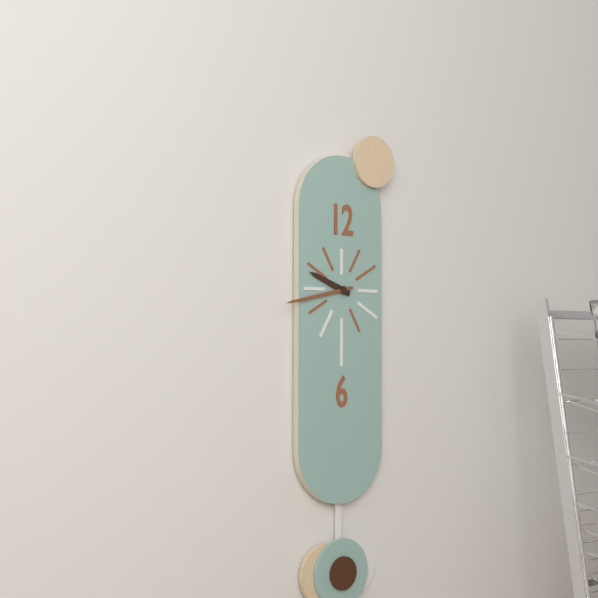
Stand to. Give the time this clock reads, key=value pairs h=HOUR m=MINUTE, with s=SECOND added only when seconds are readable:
h=9 m=43
